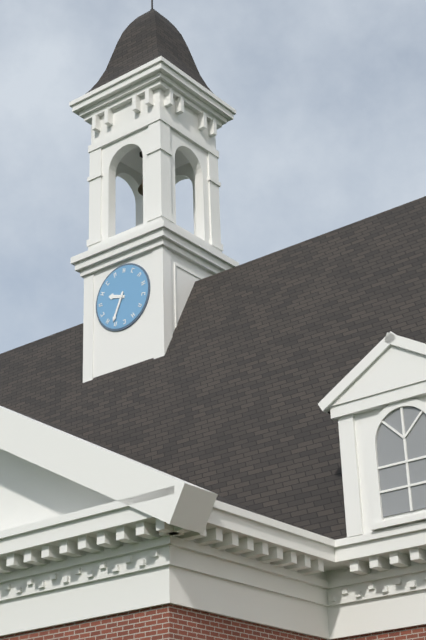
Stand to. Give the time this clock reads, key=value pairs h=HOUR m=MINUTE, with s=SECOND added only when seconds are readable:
h=9 m=34
